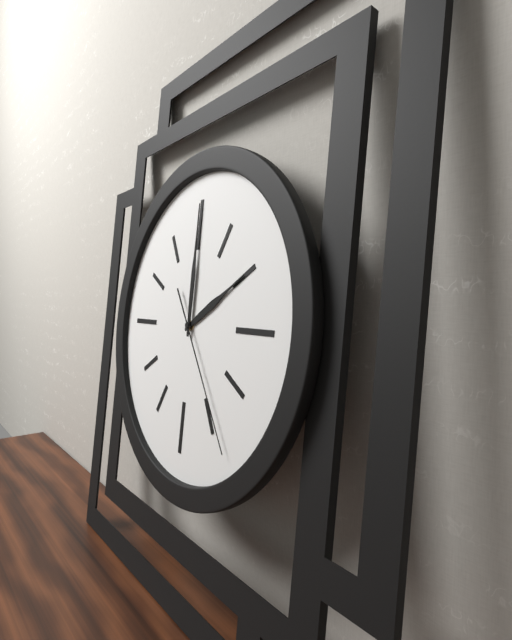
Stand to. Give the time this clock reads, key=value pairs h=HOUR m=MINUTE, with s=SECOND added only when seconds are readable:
h=2 m=0 s=24
